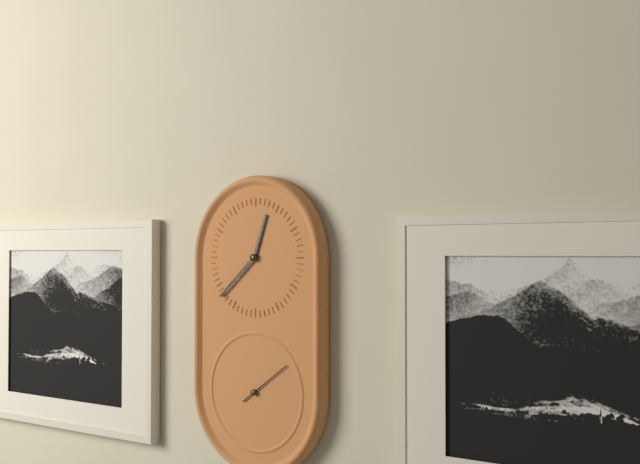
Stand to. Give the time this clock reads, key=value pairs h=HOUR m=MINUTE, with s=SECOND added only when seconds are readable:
h=12 m=38 s=9
